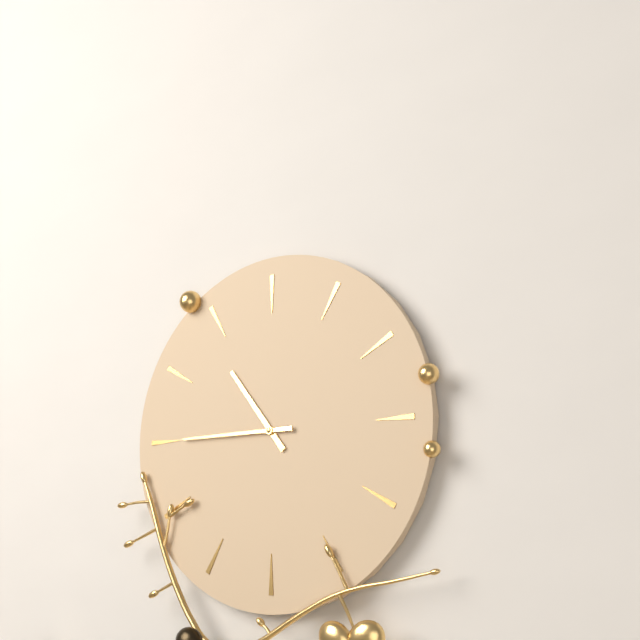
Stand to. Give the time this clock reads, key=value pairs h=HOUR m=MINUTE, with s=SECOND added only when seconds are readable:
h=10 m=45
